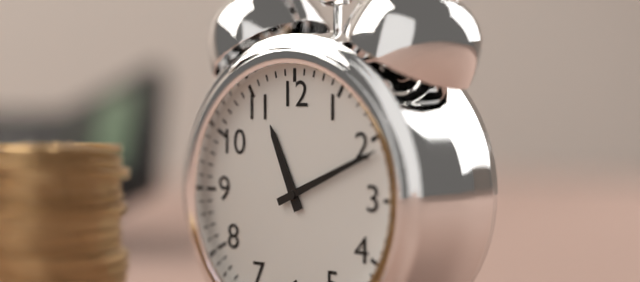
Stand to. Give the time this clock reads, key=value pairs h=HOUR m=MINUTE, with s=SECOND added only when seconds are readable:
h=11 m=11
